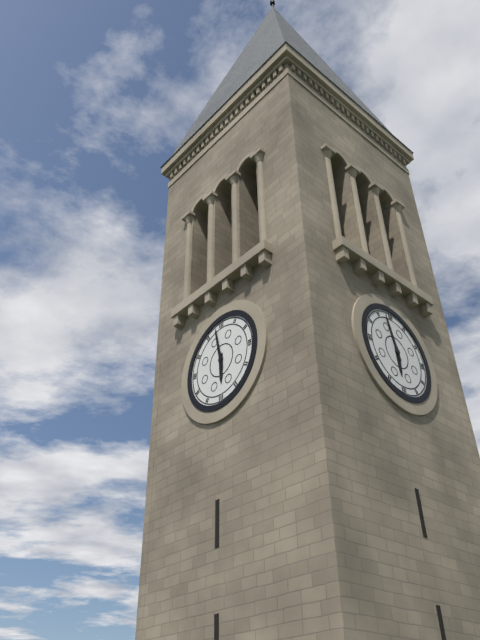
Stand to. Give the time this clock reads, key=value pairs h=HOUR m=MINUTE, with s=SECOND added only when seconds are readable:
h=5 m=58
